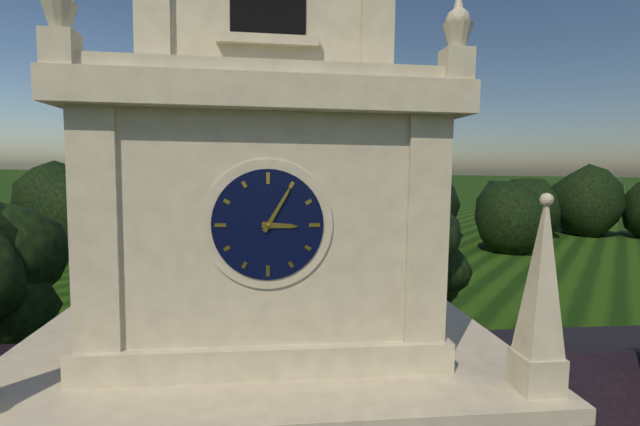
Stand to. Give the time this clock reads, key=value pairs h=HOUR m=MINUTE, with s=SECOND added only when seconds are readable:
h=3 m=5
